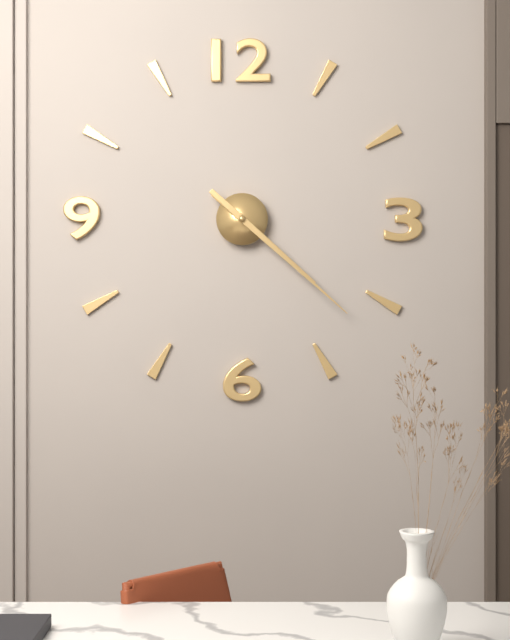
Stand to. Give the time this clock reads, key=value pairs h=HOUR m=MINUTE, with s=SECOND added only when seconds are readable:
h=4 m=22
